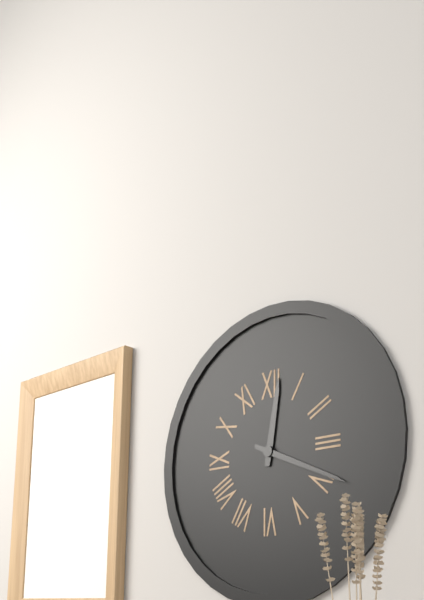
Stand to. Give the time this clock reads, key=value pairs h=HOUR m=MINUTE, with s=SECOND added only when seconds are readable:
h=12 m=19
